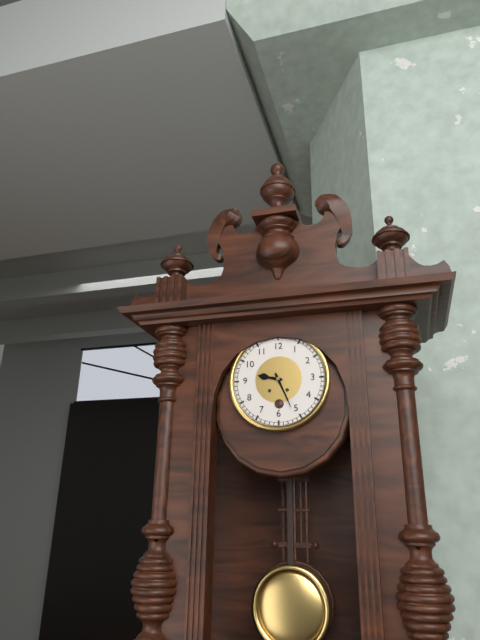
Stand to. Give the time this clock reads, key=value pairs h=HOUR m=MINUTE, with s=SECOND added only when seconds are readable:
h=9 m=26
